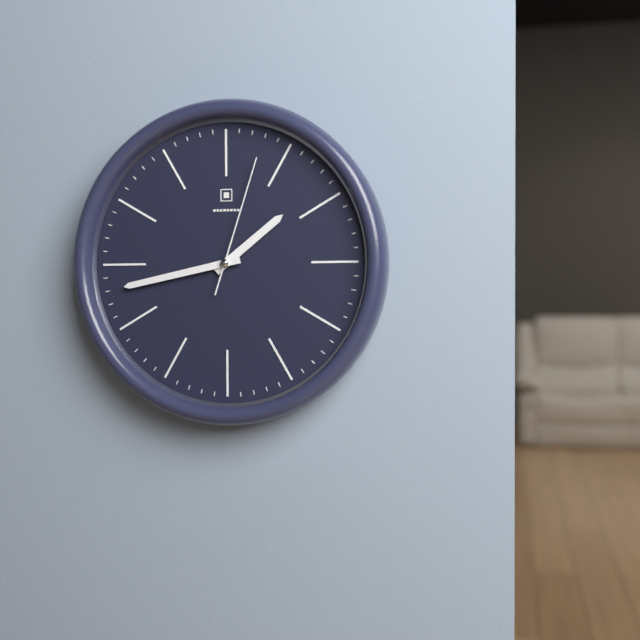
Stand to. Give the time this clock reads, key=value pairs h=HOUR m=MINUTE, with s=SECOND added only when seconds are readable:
h=1 m=43 s=3
